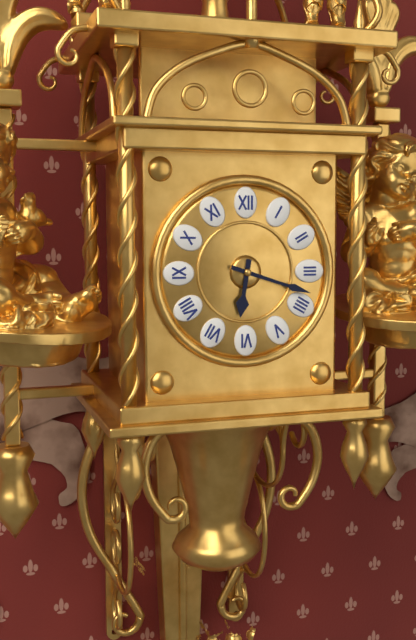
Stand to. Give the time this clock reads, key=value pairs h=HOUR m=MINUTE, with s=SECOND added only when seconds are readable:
h=6 m=18
